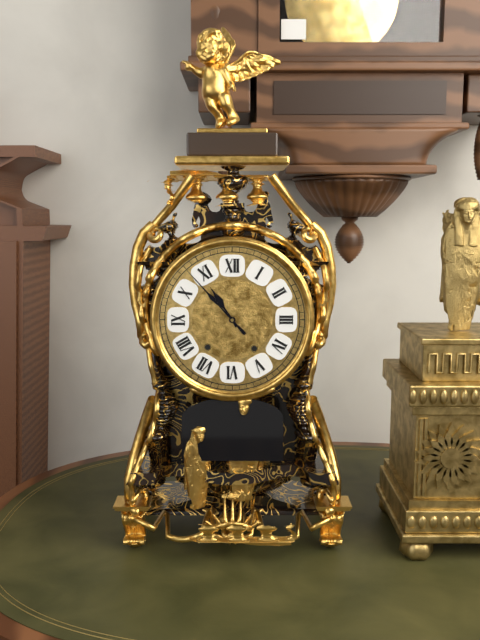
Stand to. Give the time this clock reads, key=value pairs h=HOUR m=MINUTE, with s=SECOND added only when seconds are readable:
h=10 m=53
